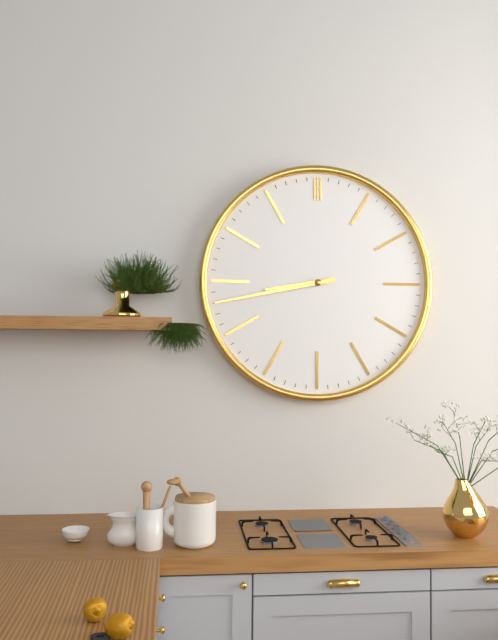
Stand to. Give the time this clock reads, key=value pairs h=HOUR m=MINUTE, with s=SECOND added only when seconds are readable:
h=8 m=43
